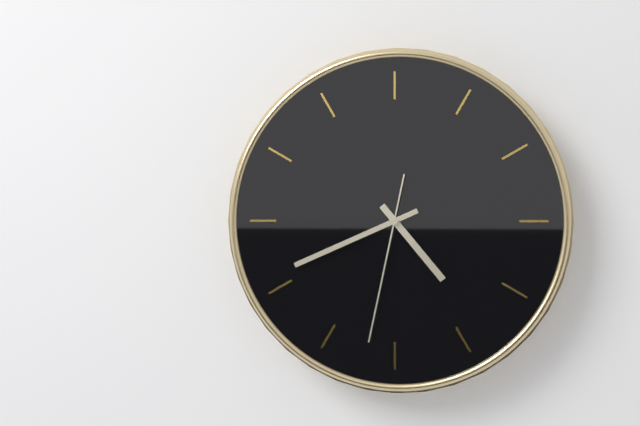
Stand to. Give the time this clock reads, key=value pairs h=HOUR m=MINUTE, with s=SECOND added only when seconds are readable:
h=4 m=41 s=32
